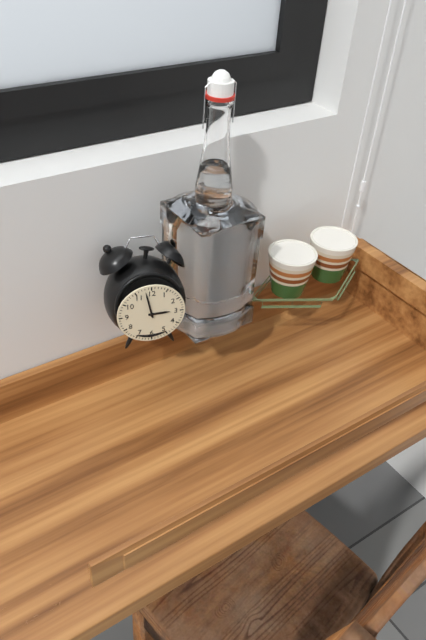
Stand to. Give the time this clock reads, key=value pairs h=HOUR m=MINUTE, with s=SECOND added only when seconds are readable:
h=2 m=58
